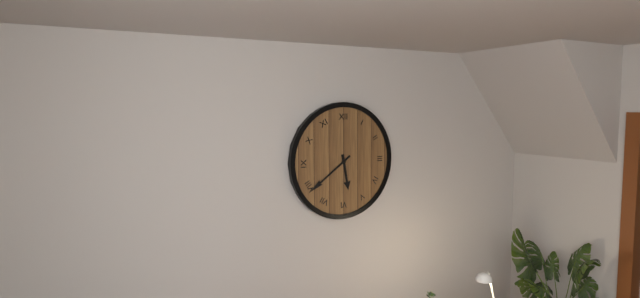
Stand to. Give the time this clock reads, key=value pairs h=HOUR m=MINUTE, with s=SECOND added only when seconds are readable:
h=5 m=39
